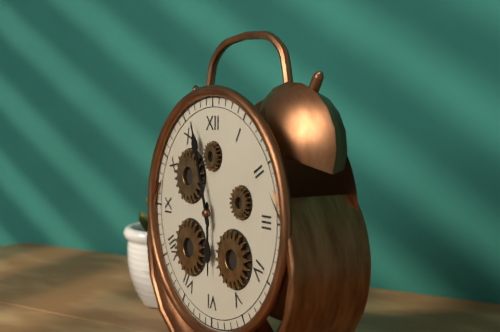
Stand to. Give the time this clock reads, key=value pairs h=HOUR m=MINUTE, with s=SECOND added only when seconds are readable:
h=5 m=57
